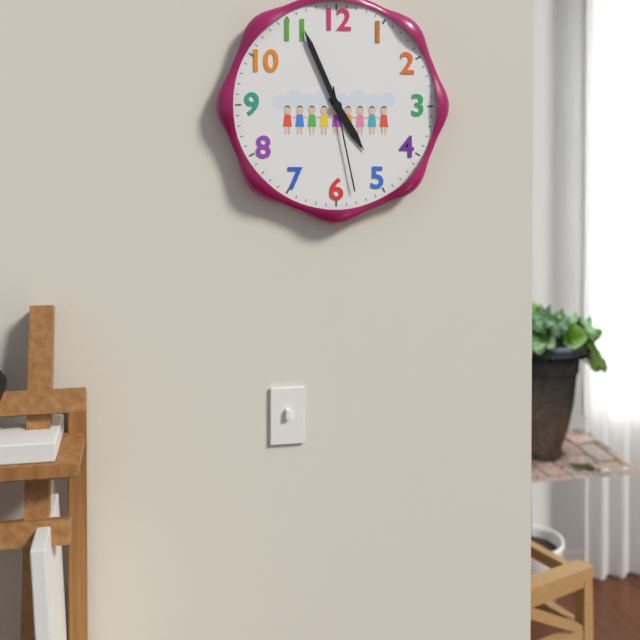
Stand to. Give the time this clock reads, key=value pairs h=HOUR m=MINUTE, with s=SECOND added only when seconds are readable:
h=4 m=56 s=28
